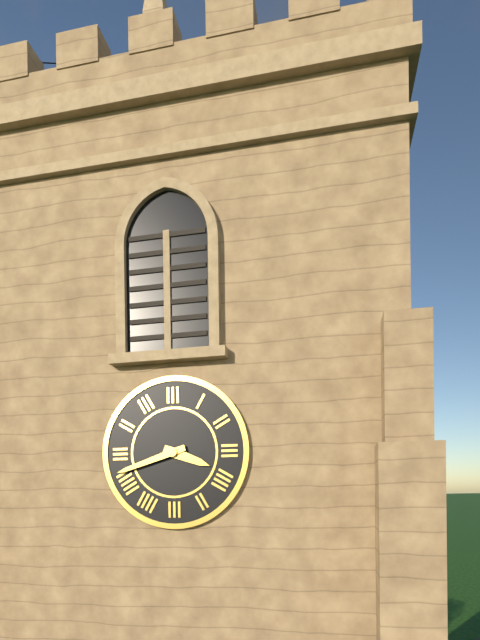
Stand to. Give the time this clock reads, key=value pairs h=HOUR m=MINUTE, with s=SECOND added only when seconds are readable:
h=3 m=42
